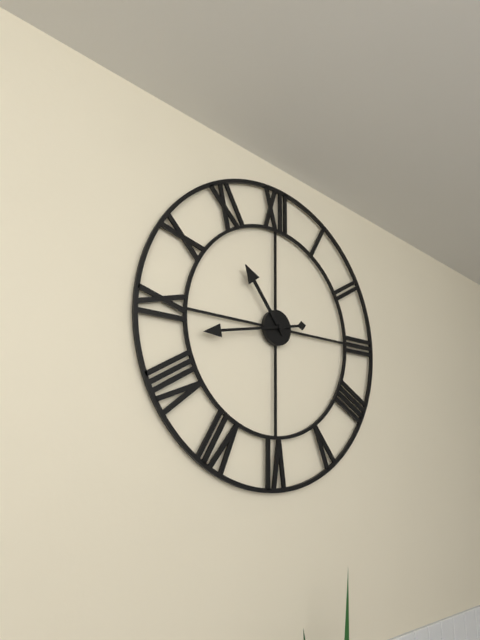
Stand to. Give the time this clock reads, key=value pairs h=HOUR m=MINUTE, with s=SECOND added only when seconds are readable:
h=10 m=43
